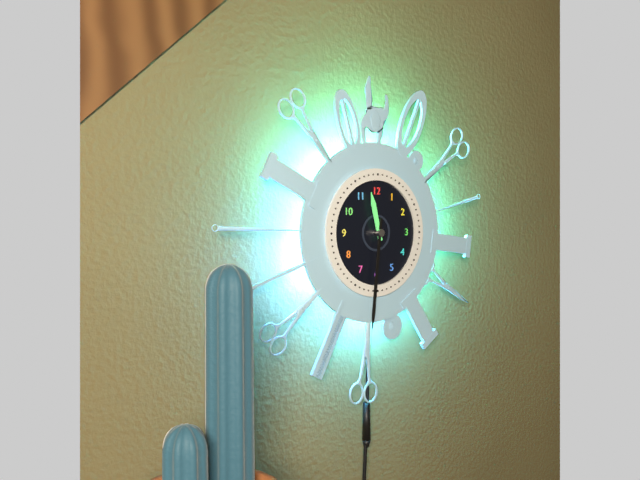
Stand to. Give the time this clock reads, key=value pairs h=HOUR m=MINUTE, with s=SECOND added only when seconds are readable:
h=11 m=31
